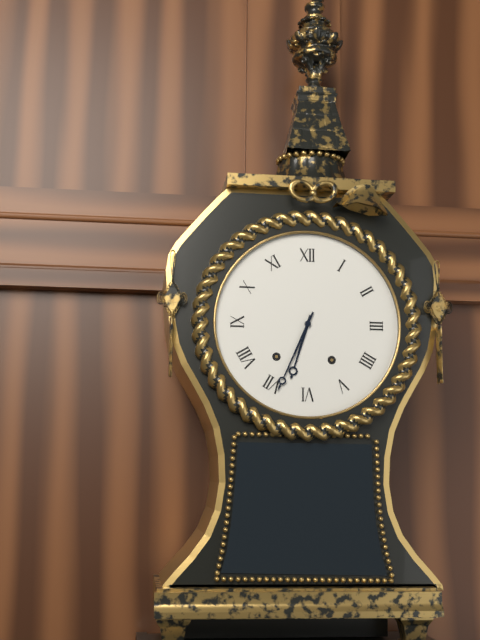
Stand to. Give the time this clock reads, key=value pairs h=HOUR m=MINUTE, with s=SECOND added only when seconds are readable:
h=6 m=34
